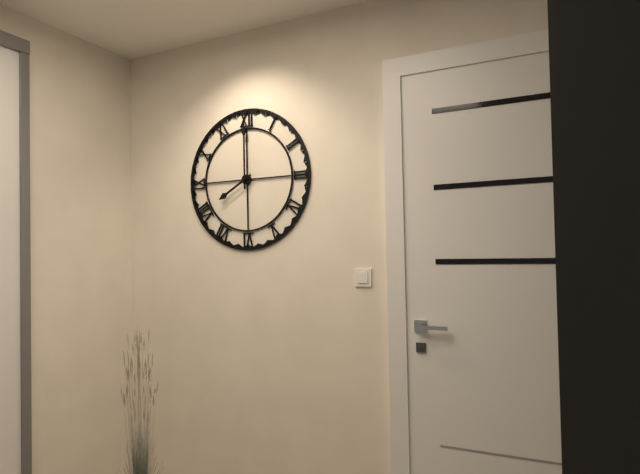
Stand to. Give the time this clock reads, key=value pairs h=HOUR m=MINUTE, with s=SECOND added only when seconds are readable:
h=8 m=0
